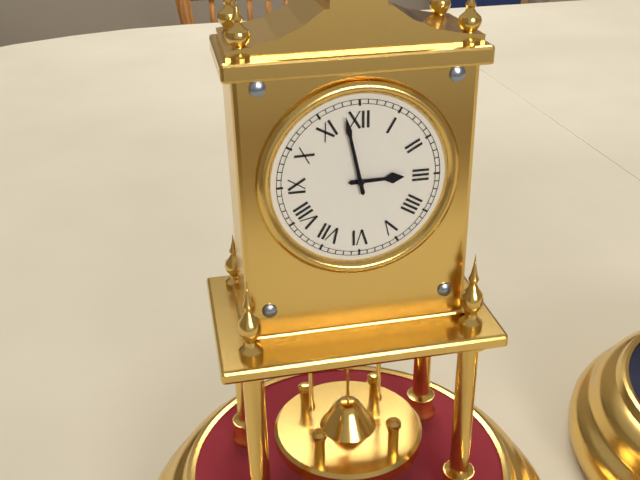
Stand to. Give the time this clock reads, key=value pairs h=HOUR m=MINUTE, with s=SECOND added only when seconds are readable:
h=2 m=58
